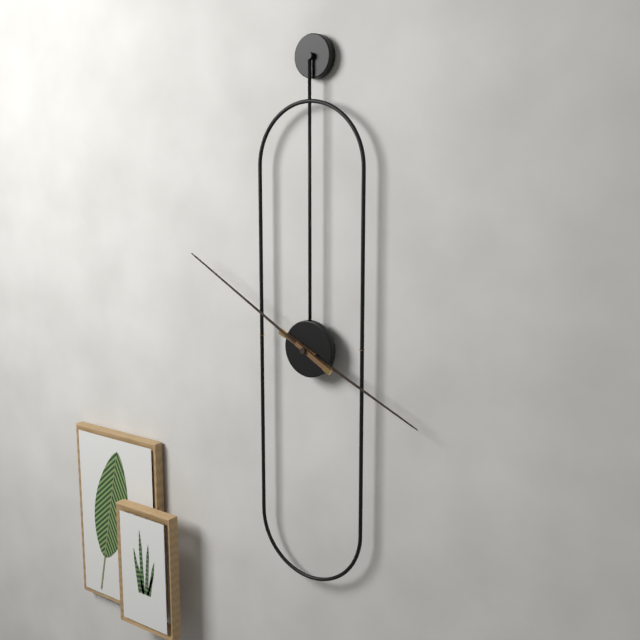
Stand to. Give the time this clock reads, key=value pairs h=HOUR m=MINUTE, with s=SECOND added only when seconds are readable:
h=3 m=50
